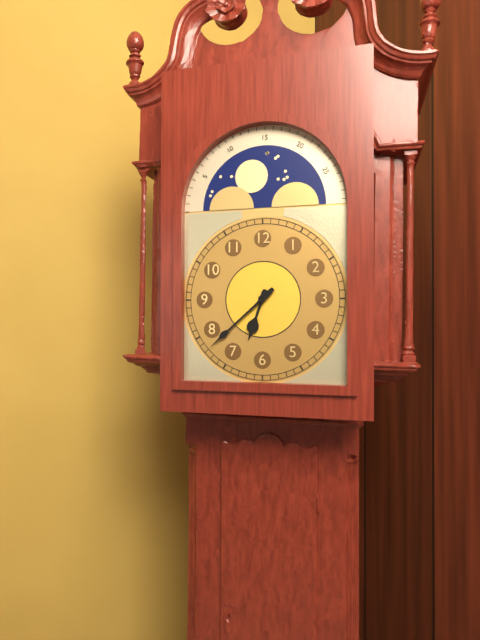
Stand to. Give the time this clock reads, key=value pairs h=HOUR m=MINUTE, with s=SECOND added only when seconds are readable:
h=6 m=38
